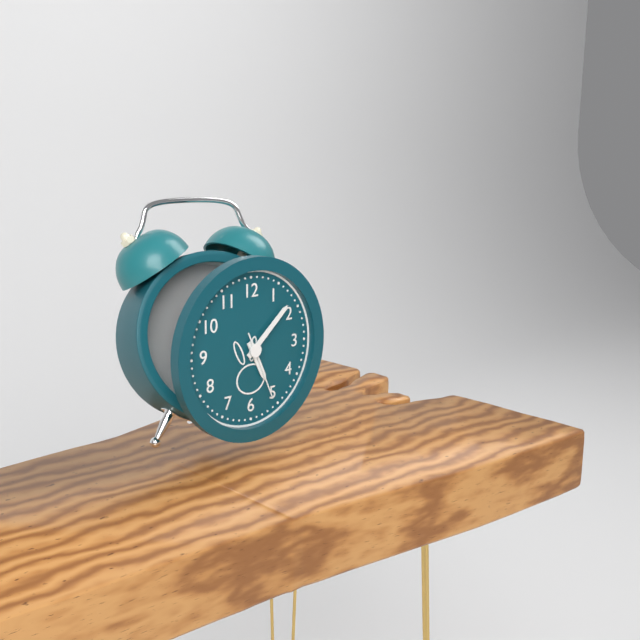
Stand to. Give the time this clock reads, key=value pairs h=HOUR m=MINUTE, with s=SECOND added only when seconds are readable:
h=5 m=8 s=26
